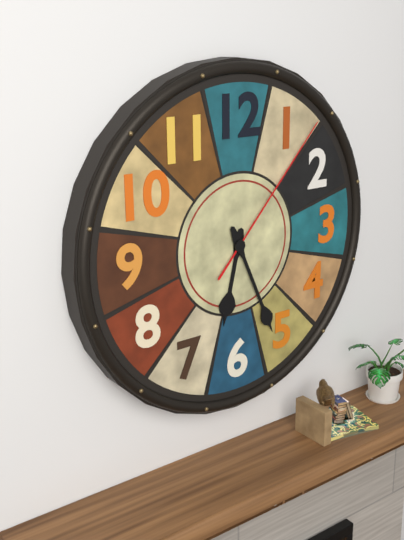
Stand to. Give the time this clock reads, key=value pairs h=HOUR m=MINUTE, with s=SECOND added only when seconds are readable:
h=6 m=26 s=7
